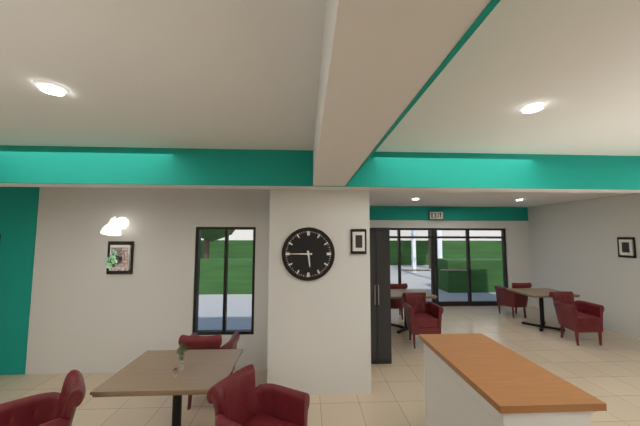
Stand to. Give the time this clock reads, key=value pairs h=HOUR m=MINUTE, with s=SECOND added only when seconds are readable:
h=5 m=45
